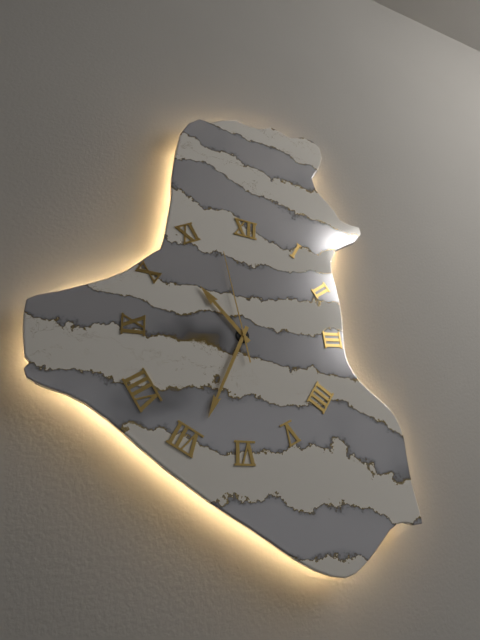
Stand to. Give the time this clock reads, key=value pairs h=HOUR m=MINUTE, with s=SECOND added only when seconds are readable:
h=10 m=34 s=58
